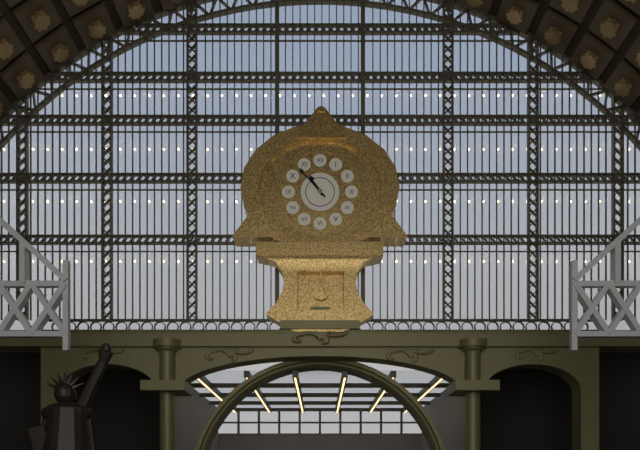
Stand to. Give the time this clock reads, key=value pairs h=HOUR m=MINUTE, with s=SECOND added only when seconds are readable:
h=10 m=53
